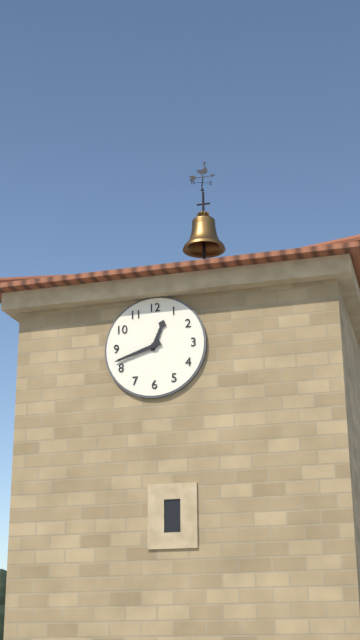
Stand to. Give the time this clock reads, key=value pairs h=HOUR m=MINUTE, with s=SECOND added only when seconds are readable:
h=12 m=42
